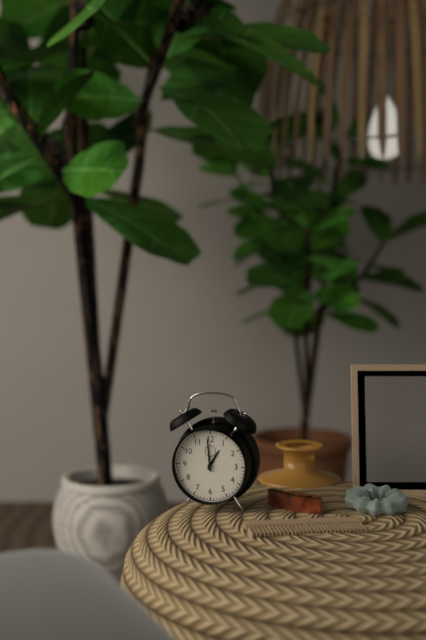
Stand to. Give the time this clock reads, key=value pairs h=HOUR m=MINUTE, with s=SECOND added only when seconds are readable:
h=12 m=59
